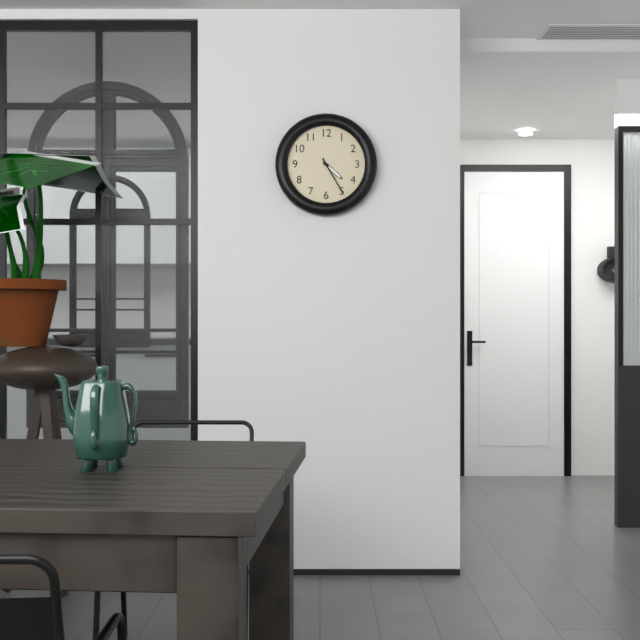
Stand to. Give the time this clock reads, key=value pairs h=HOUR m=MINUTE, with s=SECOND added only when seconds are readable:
h=4 m=25
